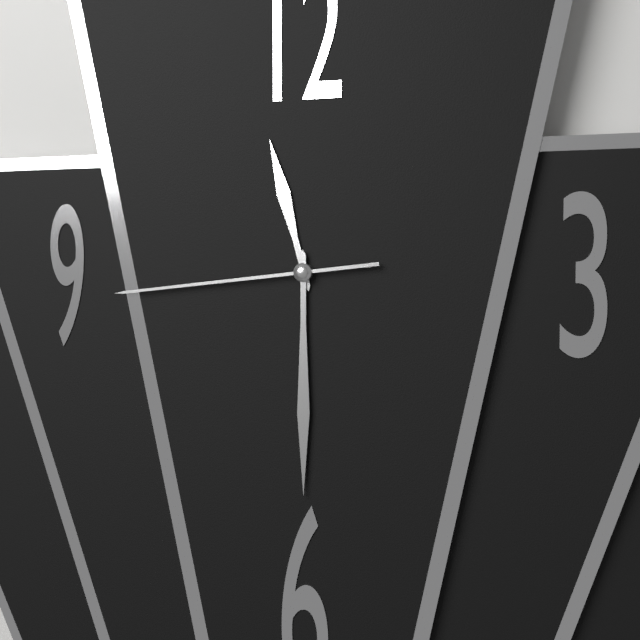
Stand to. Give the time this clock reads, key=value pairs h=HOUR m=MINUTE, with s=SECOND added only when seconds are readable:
h=11 m=30 s=44
